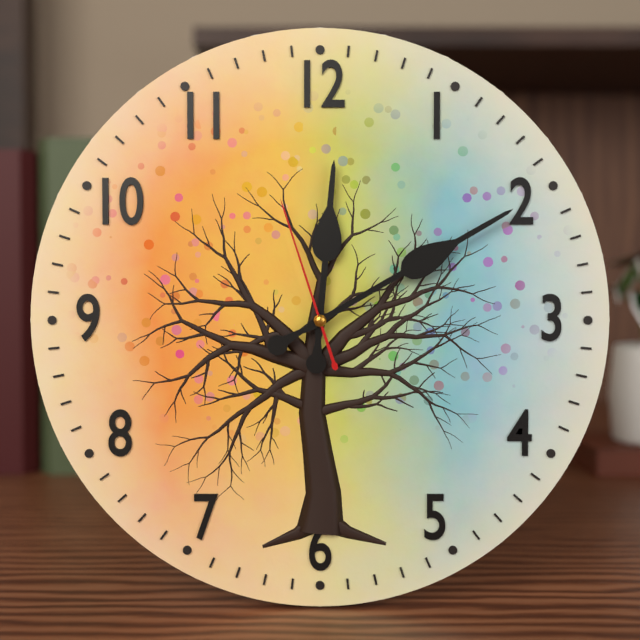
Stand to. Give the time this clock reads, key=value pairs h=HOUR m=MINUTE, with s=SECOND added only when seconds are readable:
h=12 m=10 s=57
